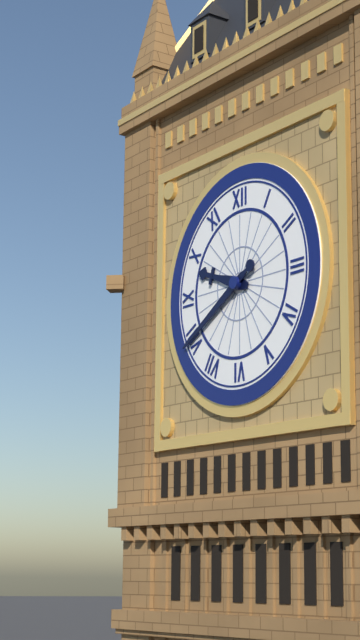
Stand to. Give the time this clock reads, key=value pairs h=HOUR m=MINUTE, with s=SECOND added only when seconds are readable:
h=9 m=40
